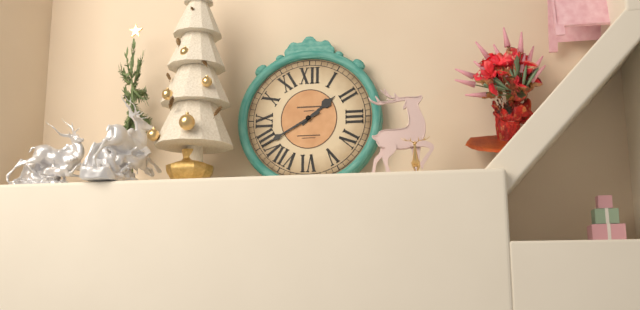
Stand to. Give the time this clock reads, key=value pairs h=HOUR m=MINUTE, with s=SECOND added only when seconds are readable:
h=1 m=40
